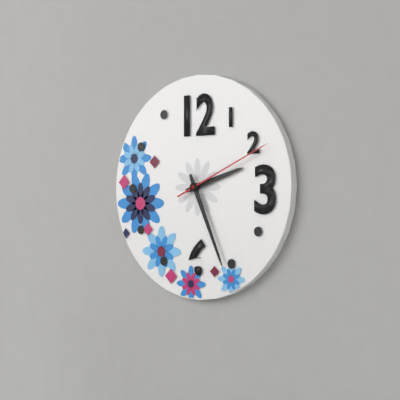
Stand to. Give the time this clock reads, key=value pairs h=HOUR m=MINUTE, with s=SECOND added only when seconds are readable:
h=2 m=26 s=11
